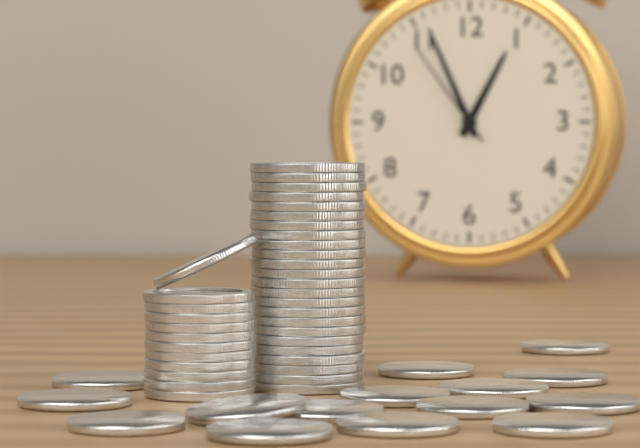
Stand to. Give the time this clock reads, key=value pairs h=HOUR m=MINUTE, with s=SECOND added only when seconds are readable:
h=12 m=56 s=54
